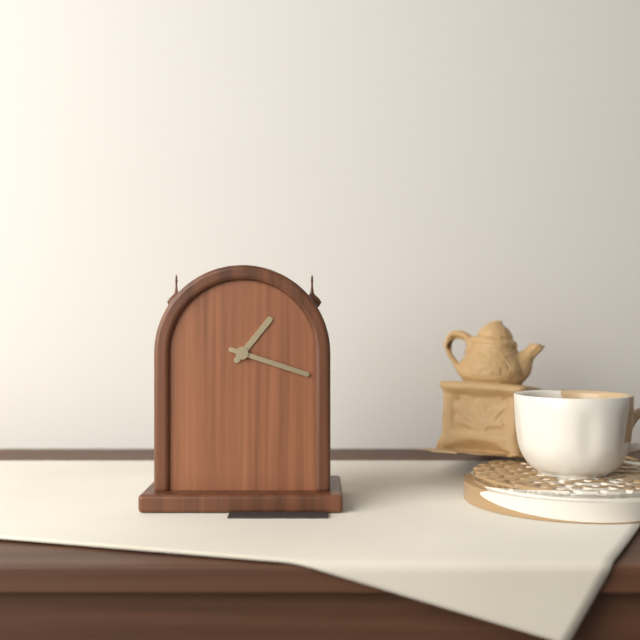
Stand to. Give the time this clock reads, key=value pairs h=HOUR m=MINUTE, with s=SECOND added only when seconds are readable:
h=1 m=18
